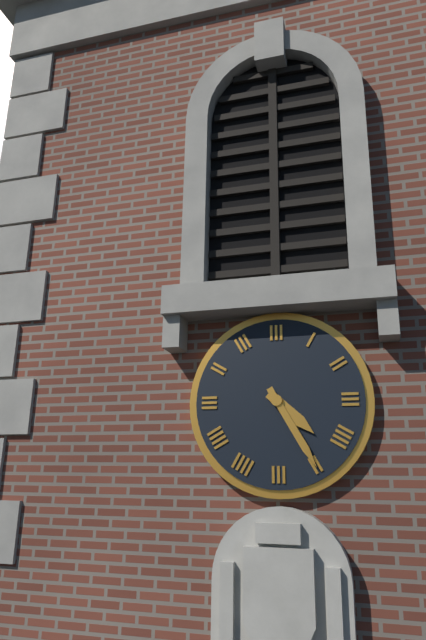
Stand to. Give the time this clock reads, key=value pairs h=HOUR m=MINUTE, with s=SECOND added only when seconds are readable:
h=4 m=25
